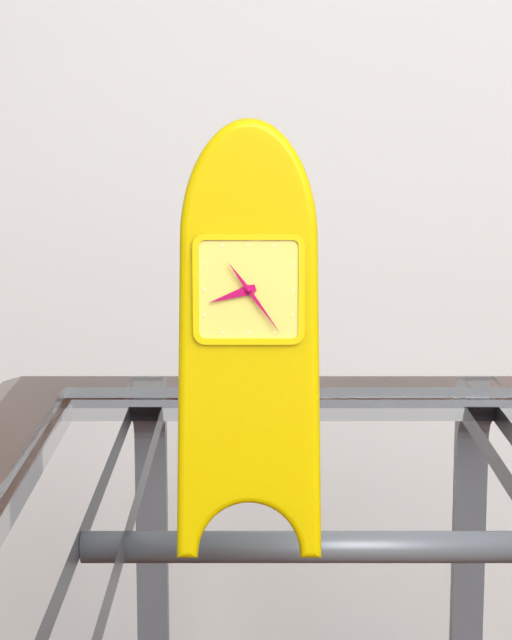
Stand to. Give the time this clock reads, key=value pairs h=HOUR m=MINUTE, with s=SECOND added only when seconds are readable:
h=8 m=24
